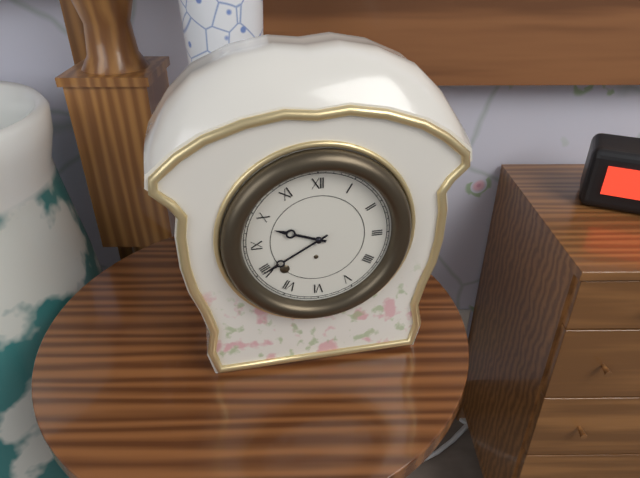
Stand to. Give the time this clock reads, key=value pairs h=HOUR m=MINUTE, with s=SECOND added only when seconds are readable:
h=9 m=40
